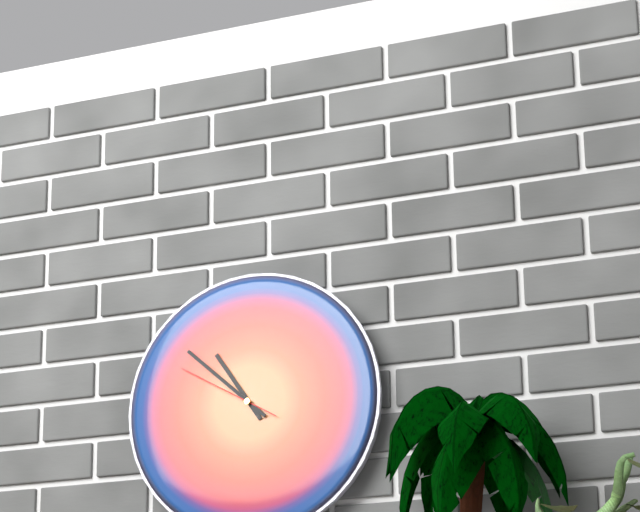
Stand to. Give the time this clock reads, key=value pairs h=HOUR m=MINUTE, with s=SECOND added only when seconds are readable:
h=10 m=52 s=50
